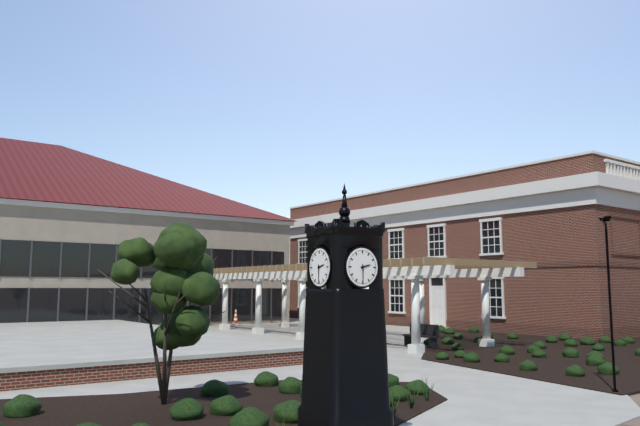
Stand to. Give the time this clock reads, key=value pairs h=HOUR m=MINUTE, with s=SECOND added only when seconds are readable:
h=2 m=30
